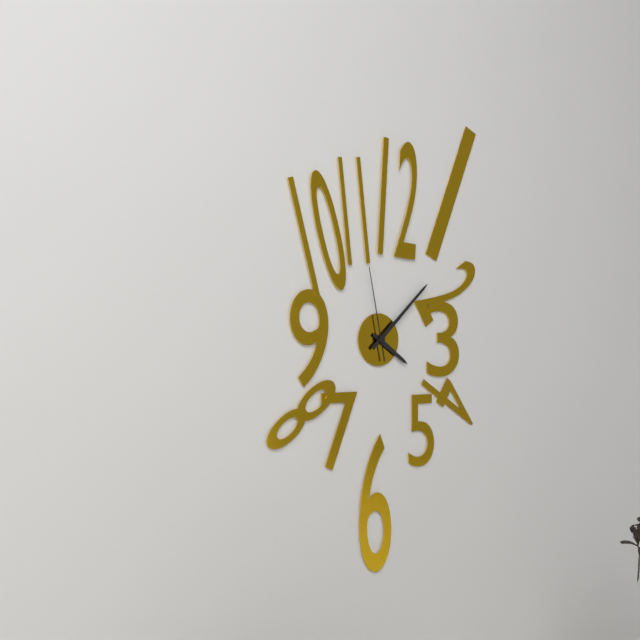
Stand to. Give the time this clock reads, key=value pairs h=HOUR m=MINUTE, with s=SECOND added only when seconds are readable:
h=4 m=8 s=58
